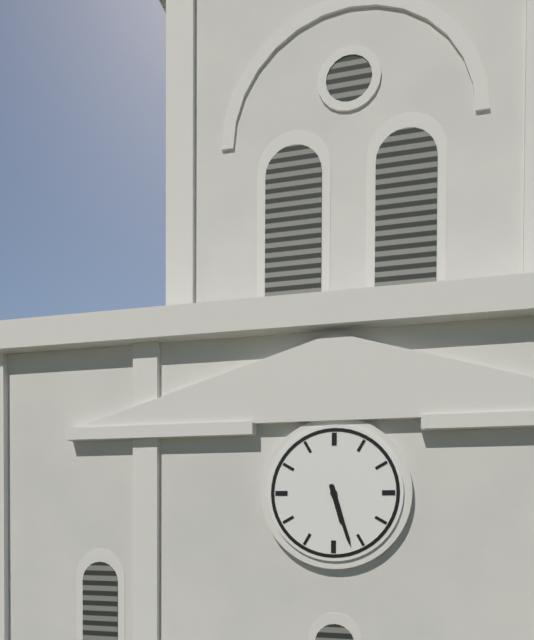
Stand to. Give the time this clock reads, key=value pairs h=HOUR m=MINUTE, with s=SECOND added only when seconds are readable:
h=5 m=27
